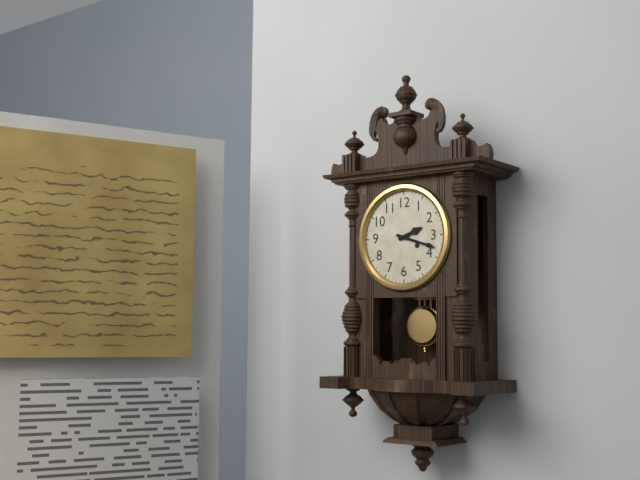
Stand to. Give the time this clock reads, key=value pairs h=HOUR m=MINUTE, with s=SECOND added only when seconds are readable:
h=2 m=18
